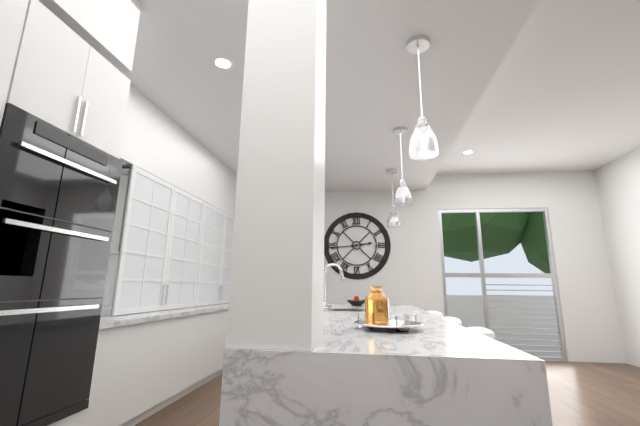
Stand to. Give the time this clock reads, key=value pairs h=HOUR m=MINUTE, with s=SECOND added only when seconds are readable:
h=2 m=44
